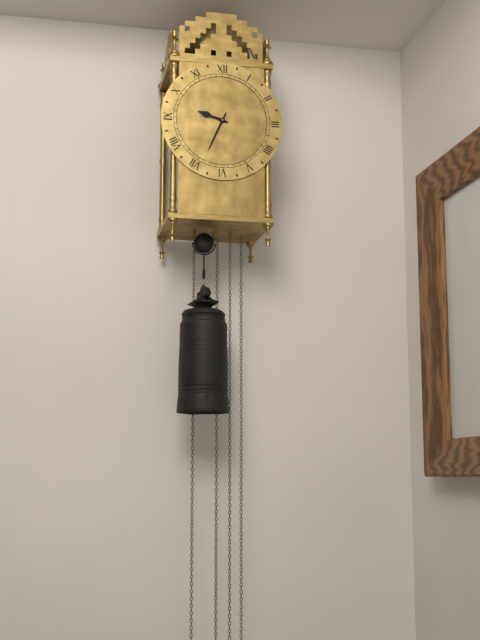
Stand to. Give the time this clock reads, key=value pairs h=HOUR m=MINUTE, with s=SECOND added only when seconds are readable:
h=9 m=34
